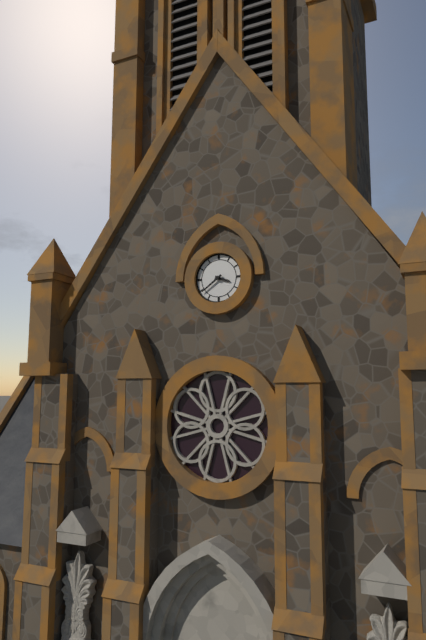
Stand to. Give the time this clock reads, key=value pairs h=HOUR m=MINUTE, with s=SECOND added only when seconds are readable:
h=3 m=39
